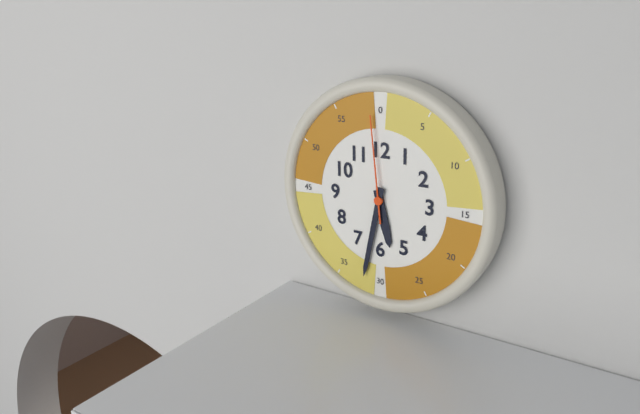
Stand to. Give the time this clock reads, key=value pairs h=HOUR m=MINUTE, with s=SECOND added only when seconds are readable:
h=5 m=32 s=59
